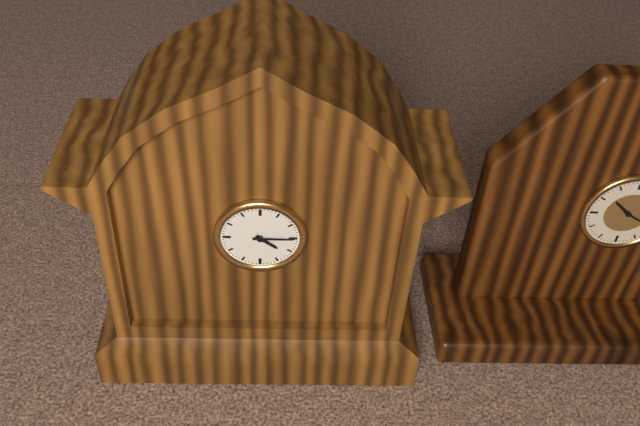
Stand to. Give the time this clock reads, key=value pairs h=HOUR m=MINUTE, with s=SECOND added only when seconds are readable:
h=4 m=15
